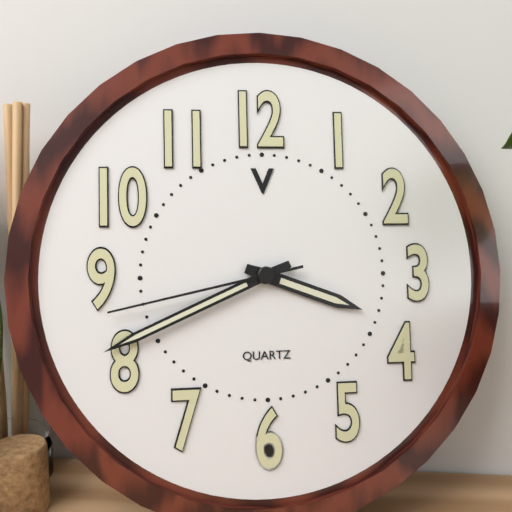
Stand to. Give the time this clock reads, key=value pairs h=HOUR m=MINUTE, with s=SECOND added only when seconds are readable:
h=3 m=41 s=43
